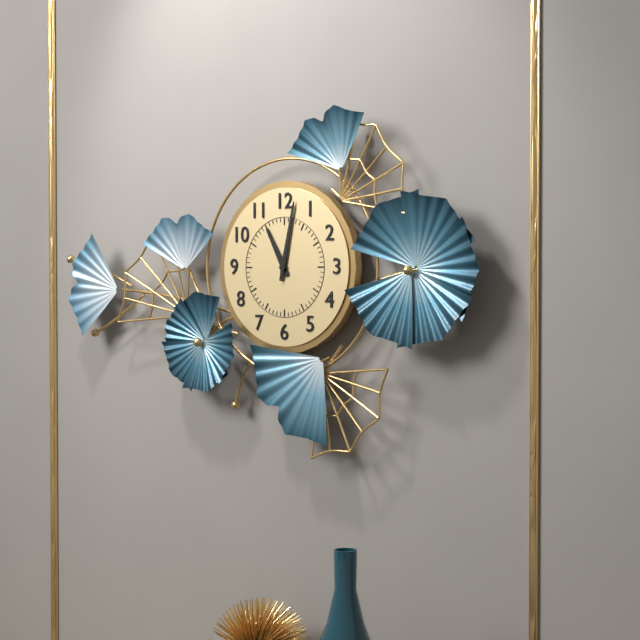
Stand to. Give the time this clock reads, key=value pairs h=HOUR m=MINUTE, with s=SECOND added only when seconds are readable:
h=11 m=2
